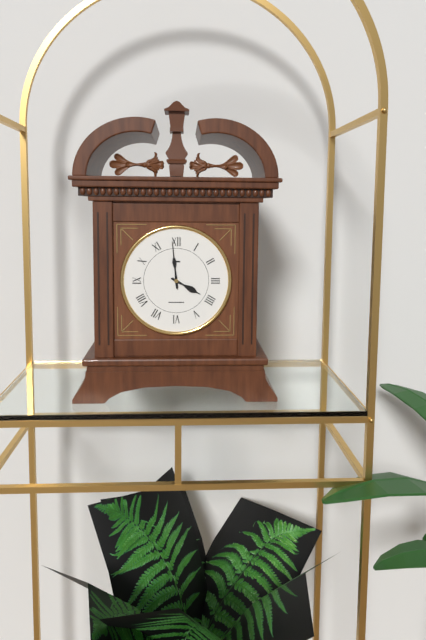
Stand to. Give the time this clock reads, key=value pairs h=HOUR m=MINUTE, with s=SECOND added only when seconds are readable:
h=3 m=59
